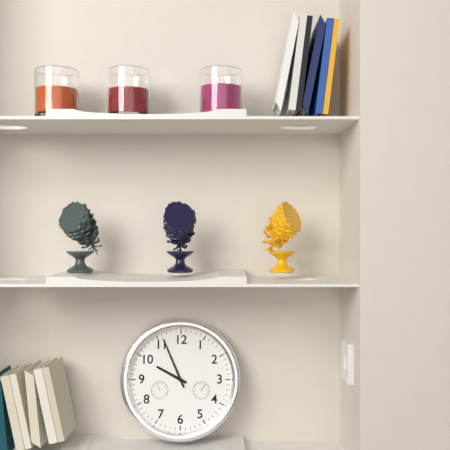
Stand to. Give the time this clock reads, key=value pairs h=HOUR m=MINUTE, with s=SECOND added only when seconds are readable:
h=9 m=56
